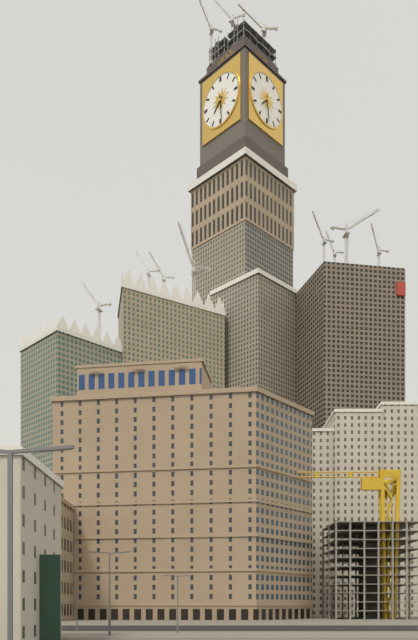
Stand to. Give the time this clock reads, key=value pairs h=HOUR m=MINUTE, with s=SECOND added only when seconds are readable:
h=7 m=29
